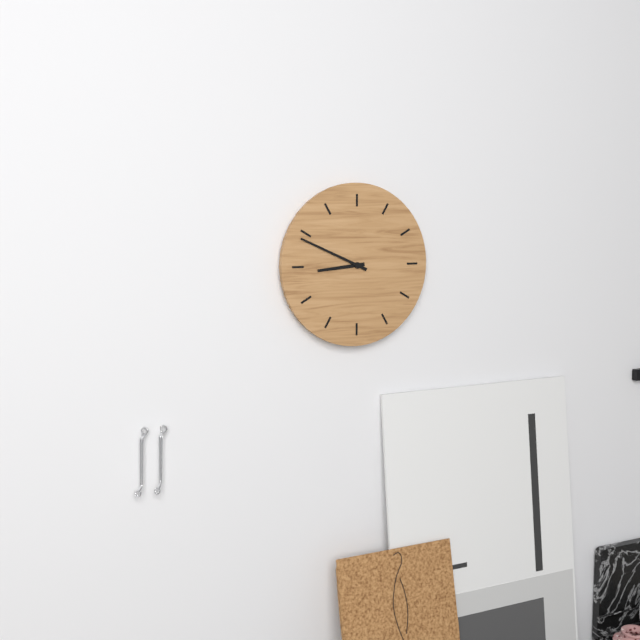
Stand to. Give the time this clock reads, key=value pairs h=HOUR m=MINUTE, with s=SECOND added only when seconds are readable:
h=8 m=49
